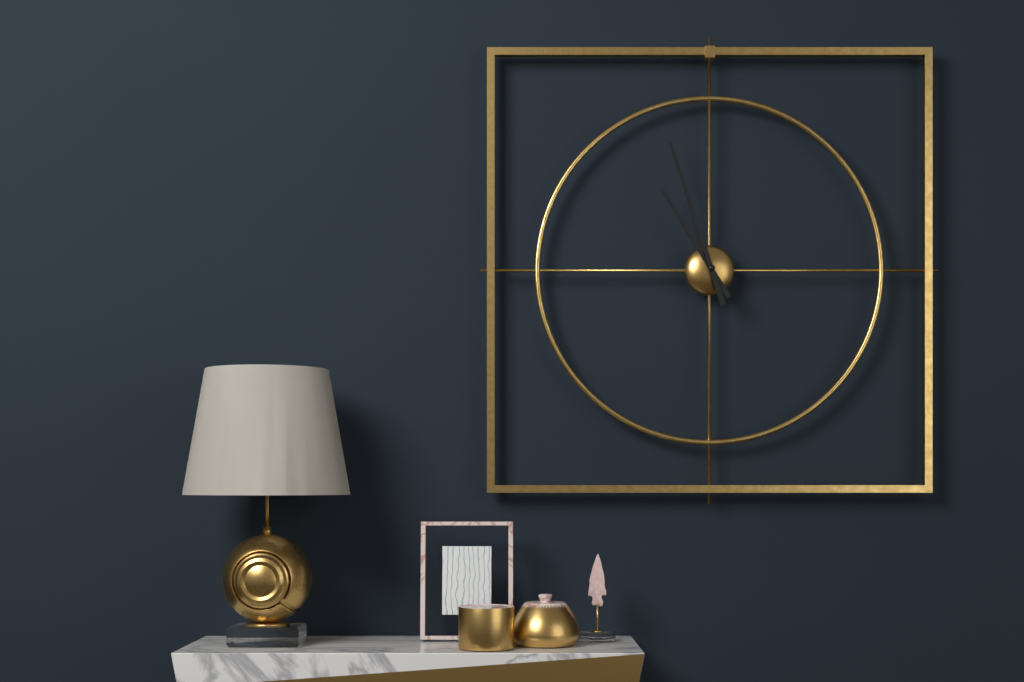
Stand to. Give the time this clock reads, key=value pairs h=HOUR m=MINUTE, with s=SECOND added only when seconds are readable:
h=10 m=57
